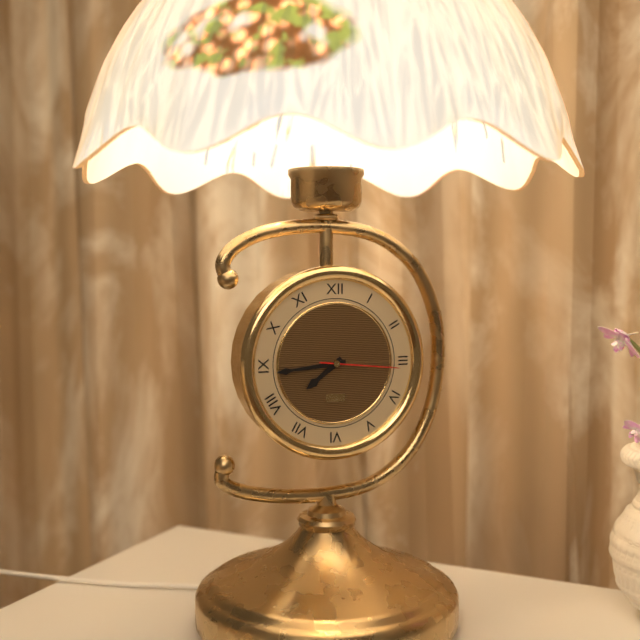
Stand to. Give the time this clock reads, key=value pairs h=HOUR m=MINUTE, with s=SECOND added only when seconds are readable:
h=7 m=44 s=16
